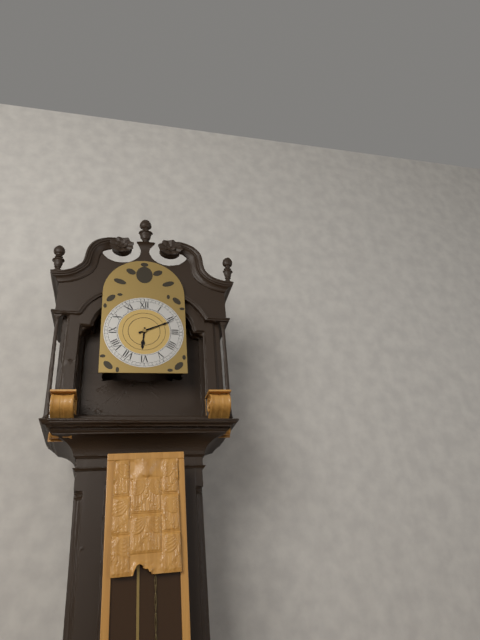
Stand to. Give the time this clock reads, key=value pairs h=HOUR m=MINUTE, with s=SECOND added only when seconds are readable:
h=6 m=11
